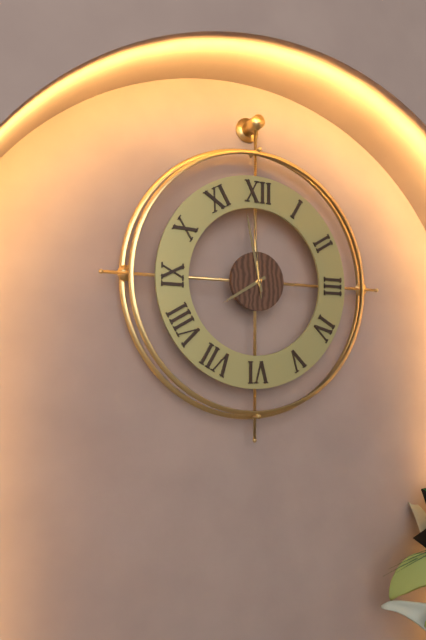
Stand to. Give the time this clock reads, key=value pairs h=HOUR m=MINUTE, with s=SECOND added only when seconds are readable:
h=7 m=58 s=59
